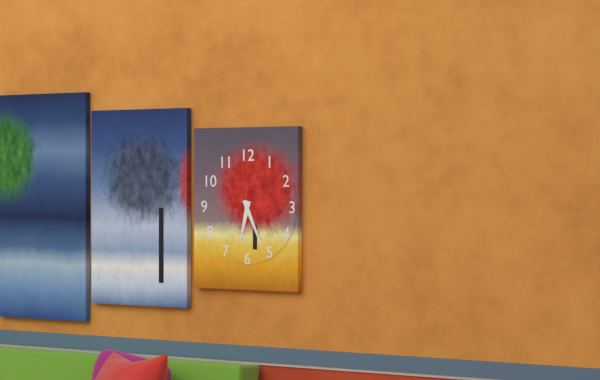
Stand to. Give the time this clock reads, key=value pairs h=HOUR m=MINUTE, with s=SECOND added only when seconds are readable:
h=6 m=26
